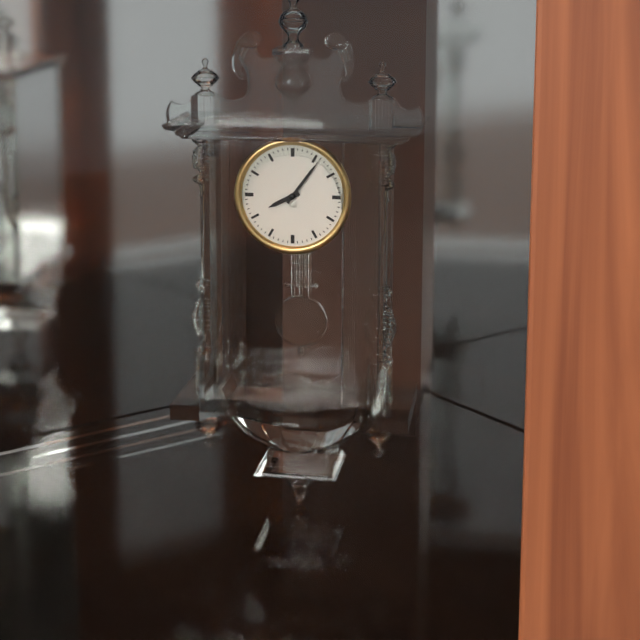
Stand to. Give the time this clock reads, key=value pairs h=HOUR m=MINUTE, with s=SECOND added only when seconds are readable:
h=8 m=6
